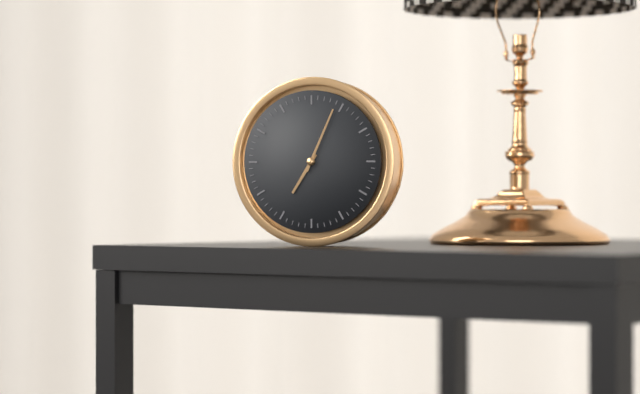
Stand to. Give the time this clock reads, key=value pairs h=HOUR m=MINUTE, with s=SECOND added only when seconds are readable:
h=7 m=4
